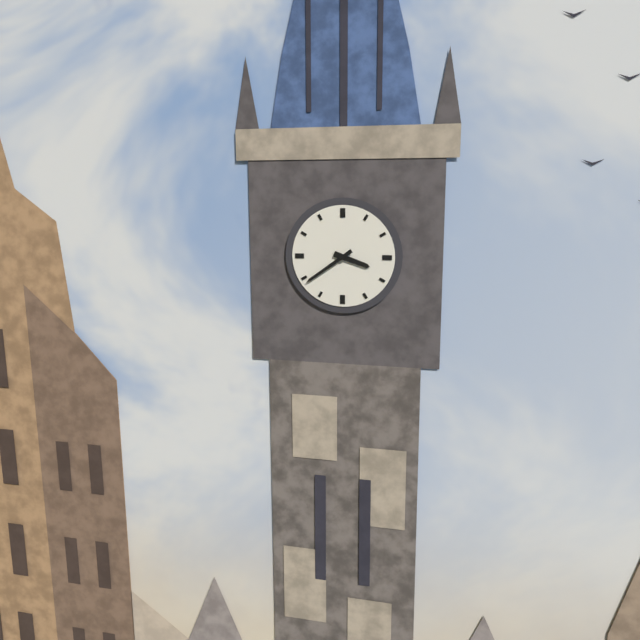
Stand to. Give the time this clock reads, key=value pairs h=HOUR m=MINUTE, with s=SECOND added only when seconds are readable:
h=3 m=39
